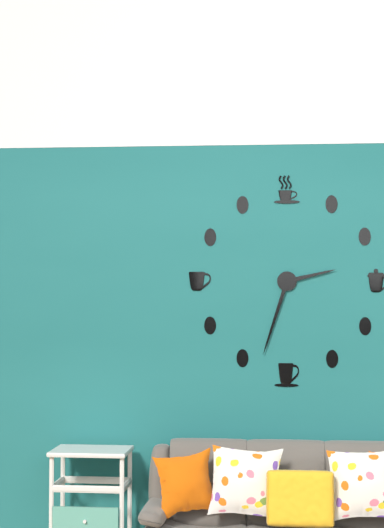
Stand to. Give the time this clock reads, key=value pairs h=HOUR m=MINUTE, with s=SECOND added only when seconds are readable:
h=2 m=33
